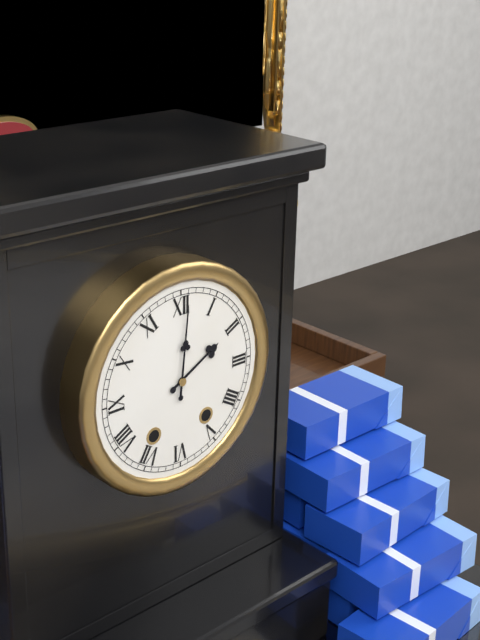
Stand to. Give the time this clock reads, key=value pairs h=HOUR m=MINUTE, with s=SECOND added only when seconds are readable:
h=2 m=1
